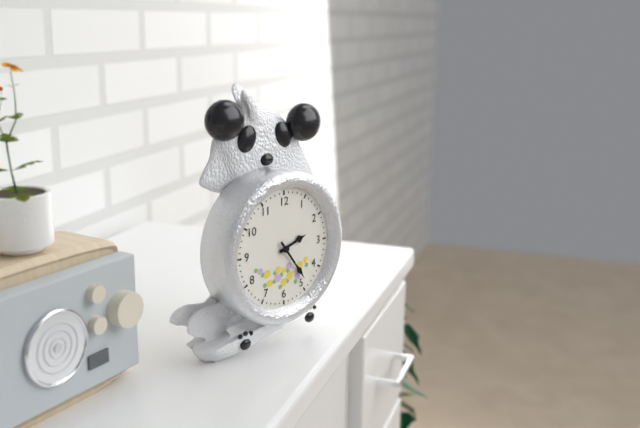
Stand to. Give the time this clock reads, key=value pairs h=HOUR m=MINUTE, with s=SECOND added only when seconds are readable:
h=2 m=24
